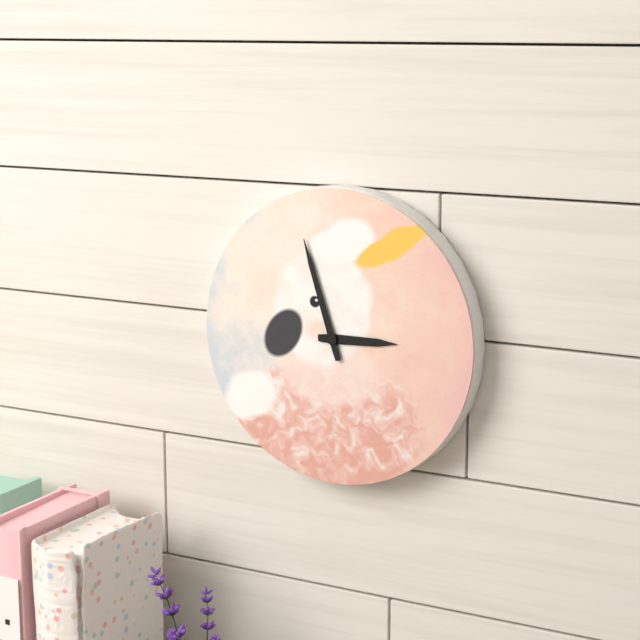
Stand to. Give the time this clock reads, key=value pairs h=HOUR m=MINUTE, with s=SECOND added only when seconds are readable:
h=2 m=57
